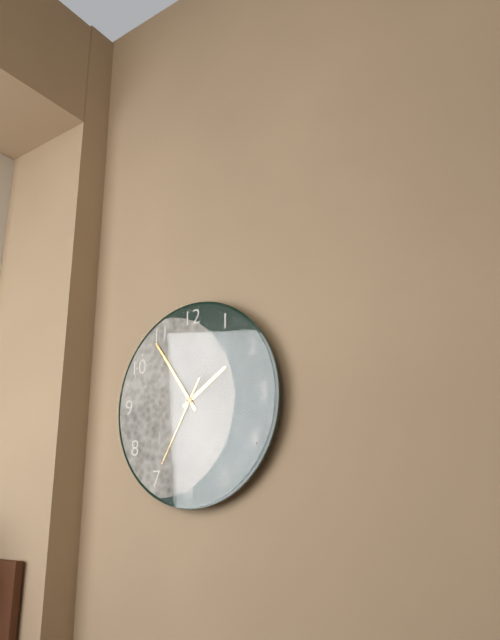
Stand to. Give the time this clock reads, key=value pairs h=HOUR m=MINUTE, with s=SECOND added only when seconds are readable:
h=1 m=54 s=35
